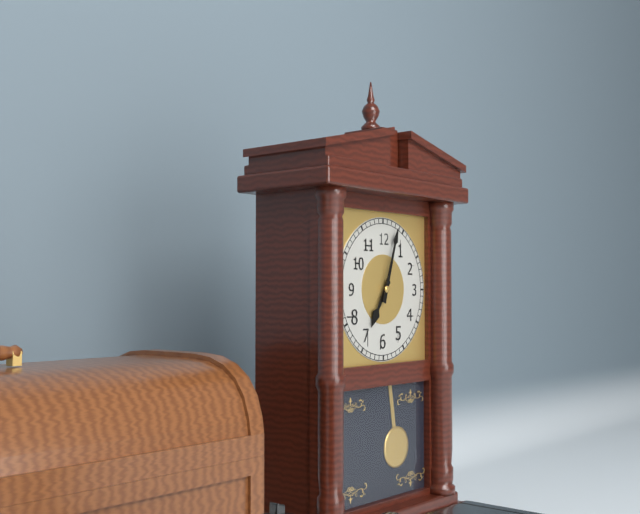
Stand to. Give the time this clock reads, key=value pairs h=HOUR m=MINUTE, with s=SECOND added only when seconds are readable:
h=7 m=3
